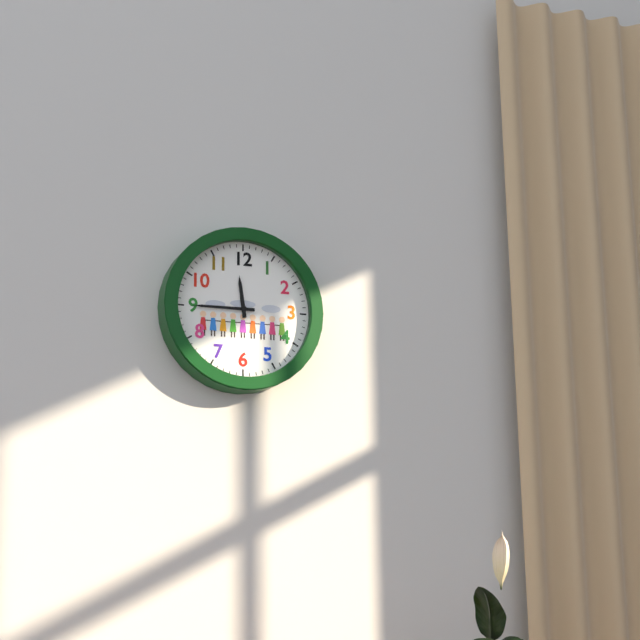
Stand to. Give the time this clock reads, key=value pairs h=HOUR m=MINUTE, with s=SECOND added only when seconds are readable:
h=11 m=45
